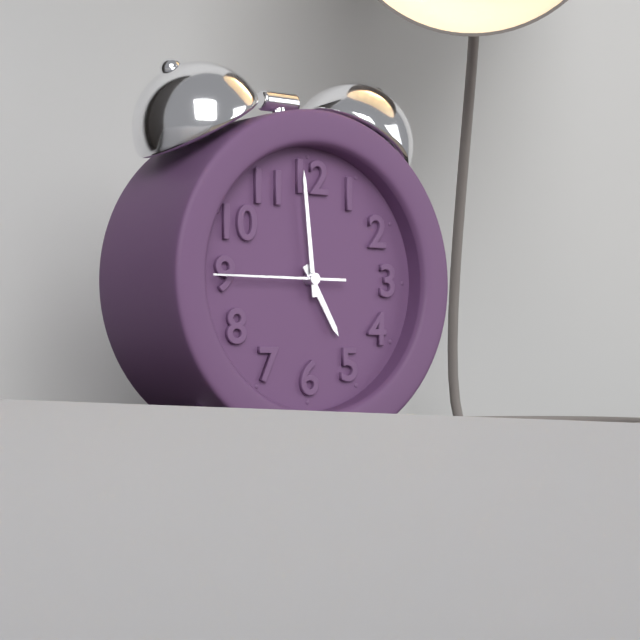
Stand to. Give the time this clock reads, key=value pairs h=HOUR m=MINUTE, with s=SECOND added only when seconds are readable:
h=4 m=59 s=45
